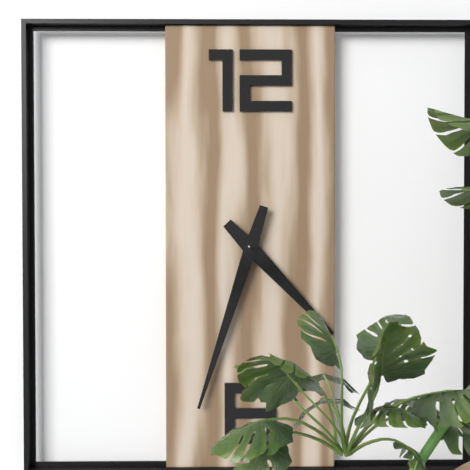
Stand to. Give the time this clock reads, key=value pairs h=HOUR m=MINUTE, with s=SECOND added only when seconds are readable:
h=4 m=33
